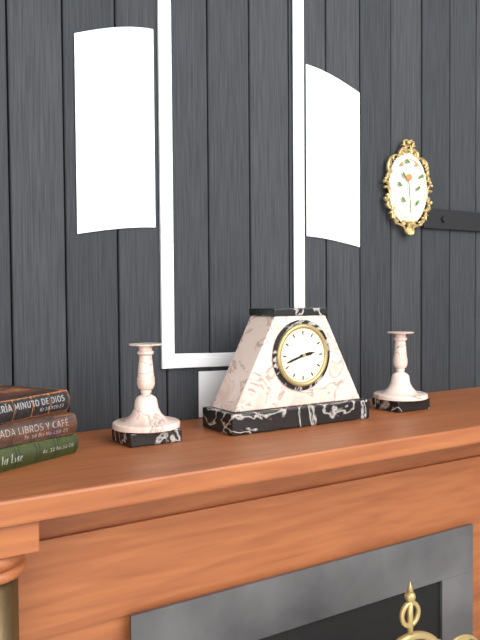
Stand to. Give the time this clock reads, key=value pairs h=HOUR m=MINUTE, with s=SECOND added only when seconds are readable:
h=2 m=42
